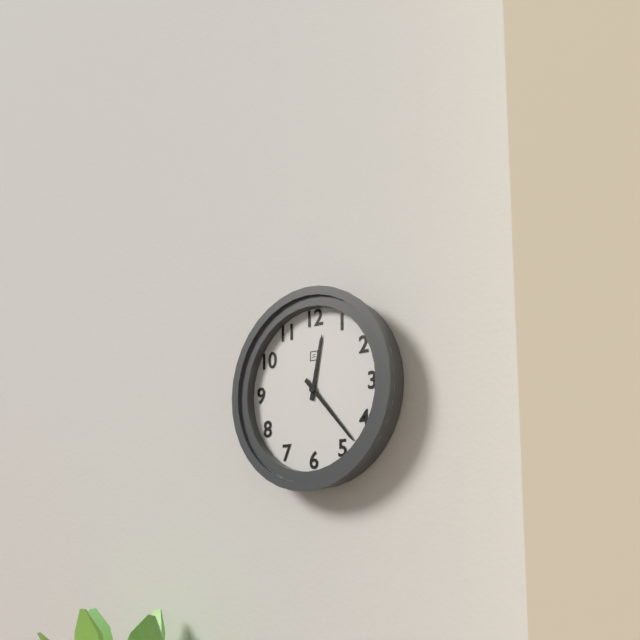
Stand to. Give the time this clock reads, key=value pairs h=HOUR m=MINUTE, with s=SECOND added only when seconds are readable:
h=12 m=23
